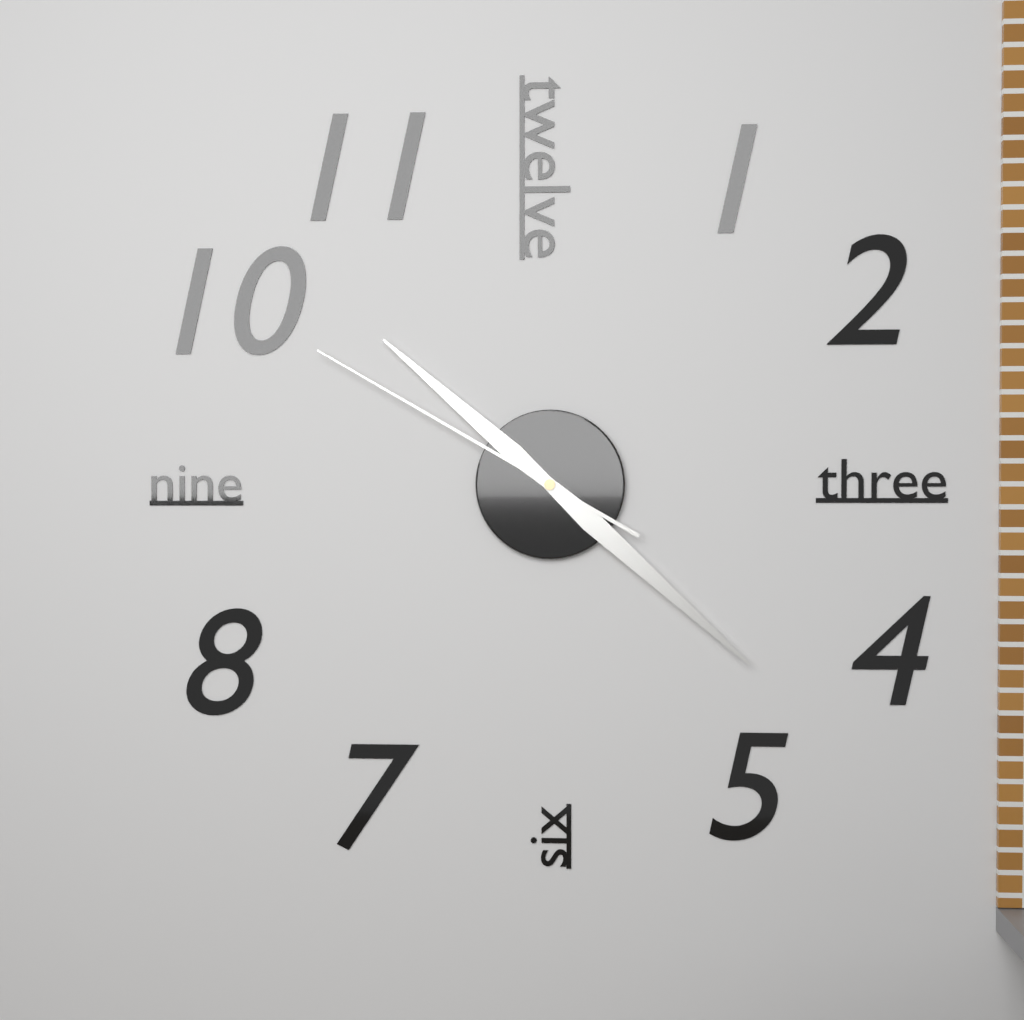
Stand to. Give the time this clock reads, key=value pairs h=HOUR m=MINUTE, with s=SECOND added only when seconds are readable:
h=10 m=22 s=50
